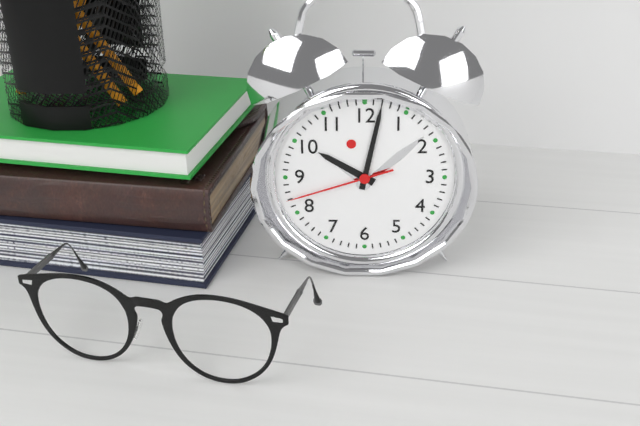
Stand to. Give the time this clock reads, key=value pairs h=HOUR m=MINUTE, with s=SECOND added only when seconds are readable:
h=10 m=2 s=42
